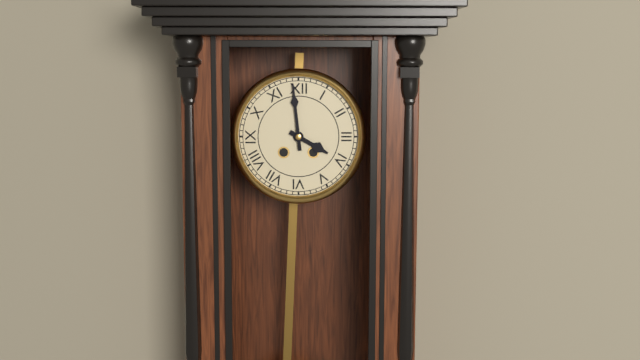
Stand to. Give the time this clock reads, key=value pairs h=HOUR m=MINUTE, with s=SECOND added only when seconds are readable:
h=3 m=59
